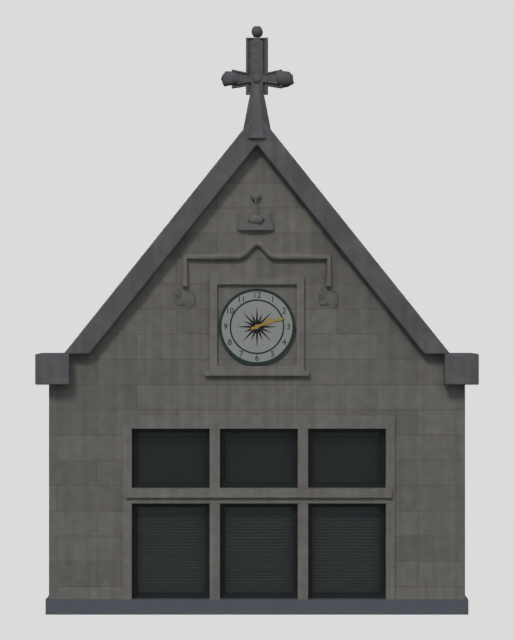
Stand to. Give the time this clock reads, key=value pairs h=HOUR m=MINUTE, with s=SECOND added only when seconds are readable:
h=2 m=12
